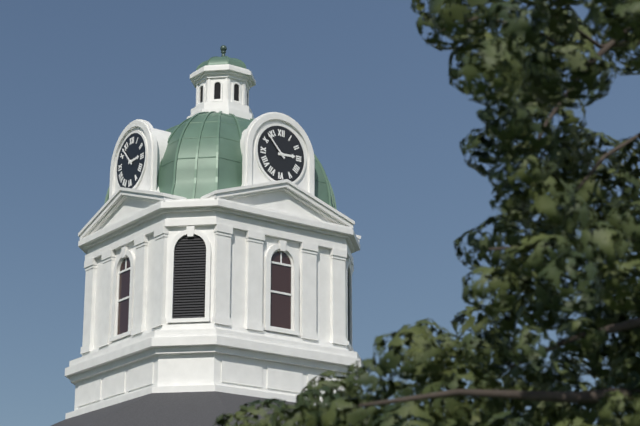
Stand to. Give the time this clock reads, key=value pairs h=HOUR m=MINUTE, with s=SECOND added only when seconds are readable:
h=2 m=53
